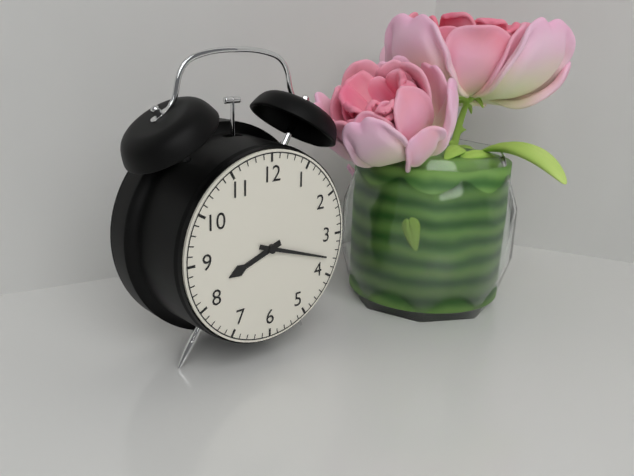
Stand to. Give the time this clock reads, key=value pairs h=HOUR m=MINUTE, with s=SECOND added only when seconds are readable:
h=8 m=18
